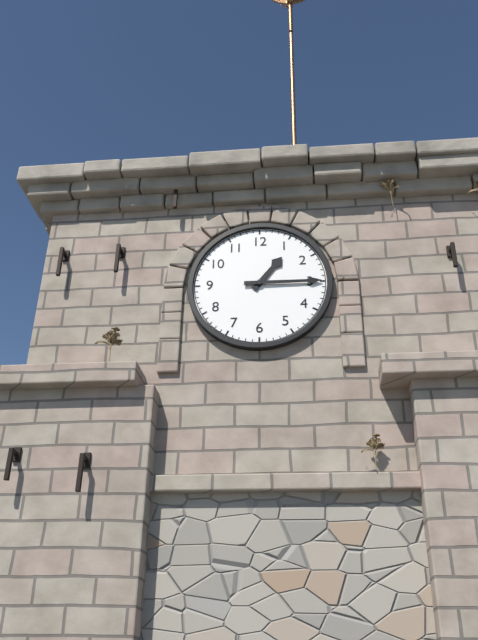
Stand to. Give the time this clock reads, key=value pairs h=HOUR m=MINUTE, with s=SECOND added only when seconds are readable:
h=1 m=15
